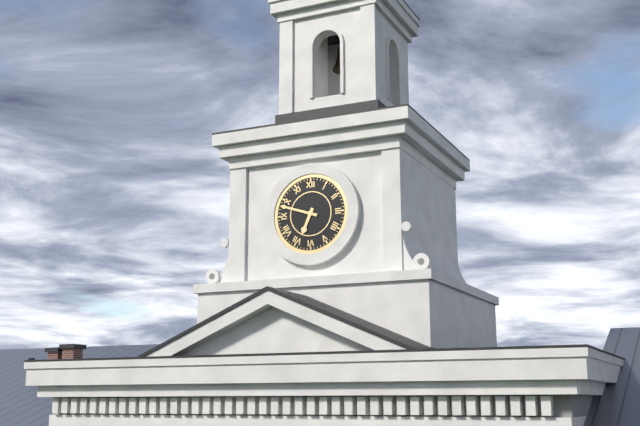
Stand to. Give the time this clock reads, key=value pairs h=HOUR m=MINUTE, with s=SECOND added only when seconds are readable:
h=6 m=48
